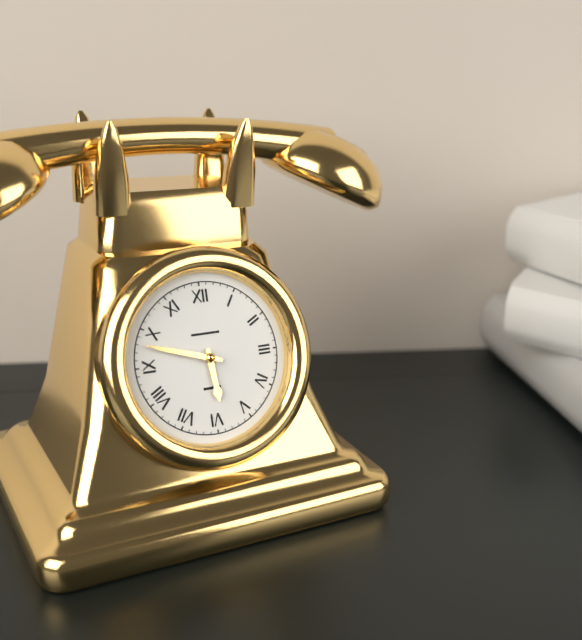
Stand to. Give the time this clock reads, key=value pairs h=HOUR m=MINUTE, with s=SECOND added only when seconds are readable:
h=5 m=48
